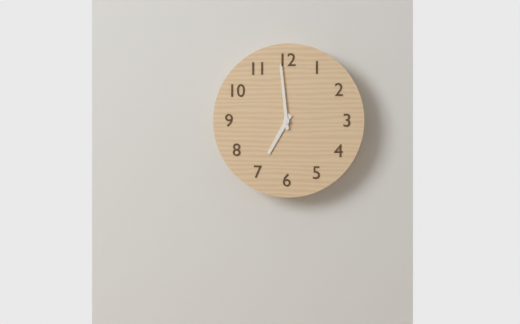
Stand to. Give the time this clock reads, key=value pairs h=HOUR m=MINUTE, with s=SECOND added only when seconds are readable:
h=6 m=59
